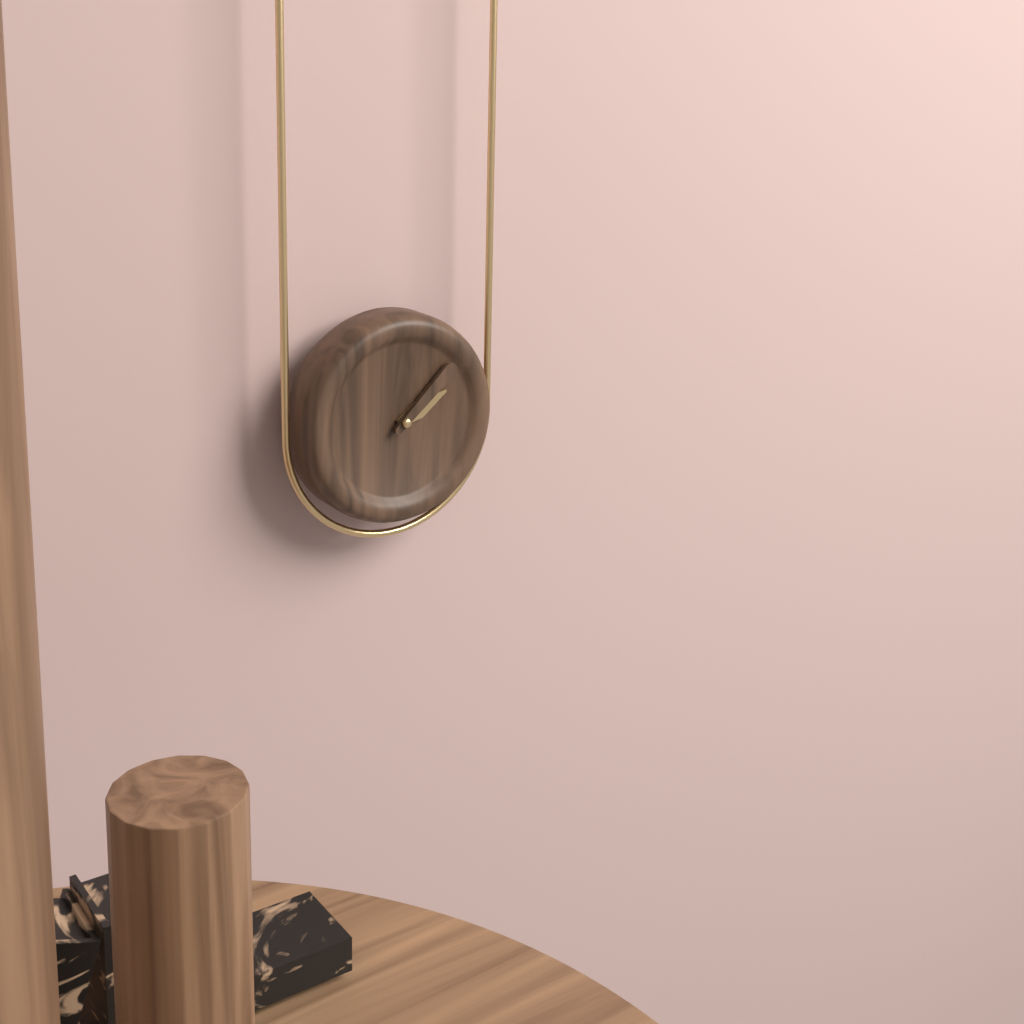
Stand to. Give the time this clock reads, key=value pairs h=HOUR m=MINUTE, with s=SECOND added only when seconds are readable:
h=2 m=8
